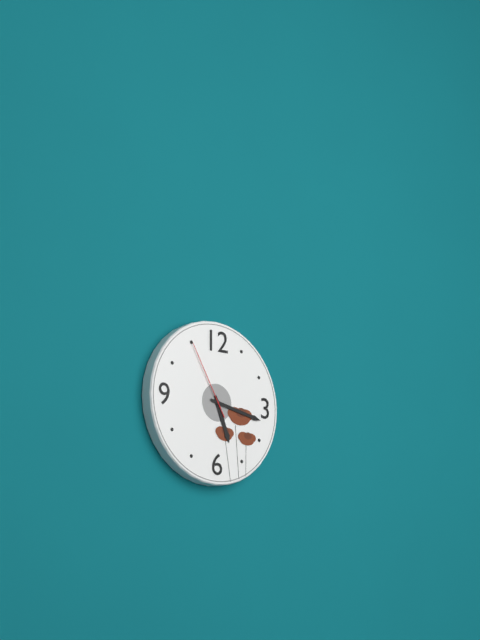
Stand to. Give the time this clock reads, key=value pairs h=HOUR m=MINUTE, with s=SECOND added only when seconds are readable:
h=5 m=17 s=55
